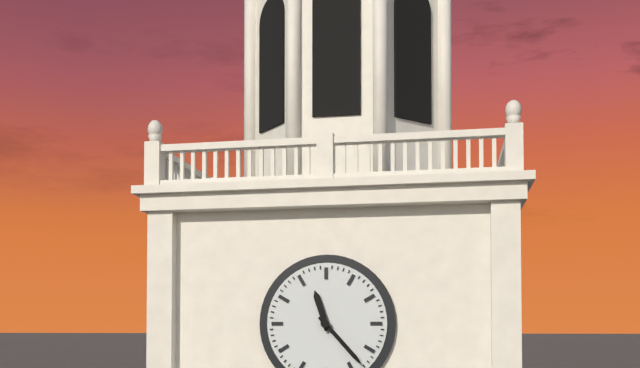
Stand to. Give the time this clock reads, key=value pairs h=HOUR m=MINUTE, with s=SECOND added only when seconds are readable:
h=11 m=23
